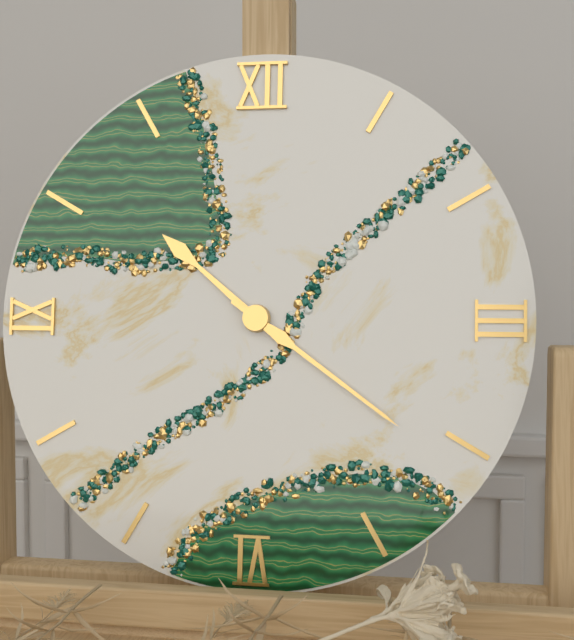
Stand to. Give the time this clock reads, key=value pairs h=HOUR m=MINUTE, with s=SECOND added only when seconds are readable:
h=10 m=21
